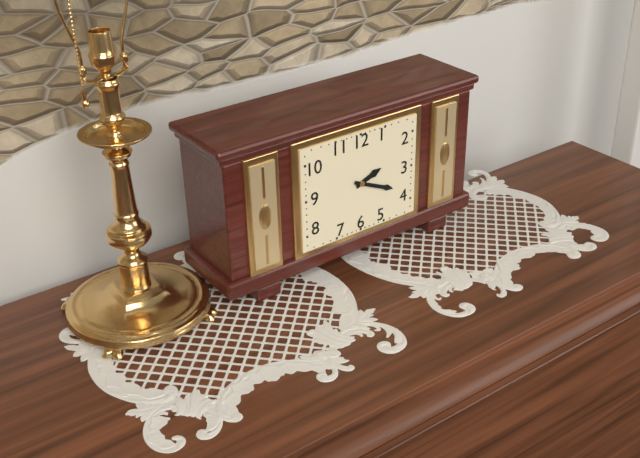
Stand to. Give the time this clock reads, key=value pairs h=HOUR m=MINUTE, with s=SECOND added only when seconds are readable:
h=2 m=19
